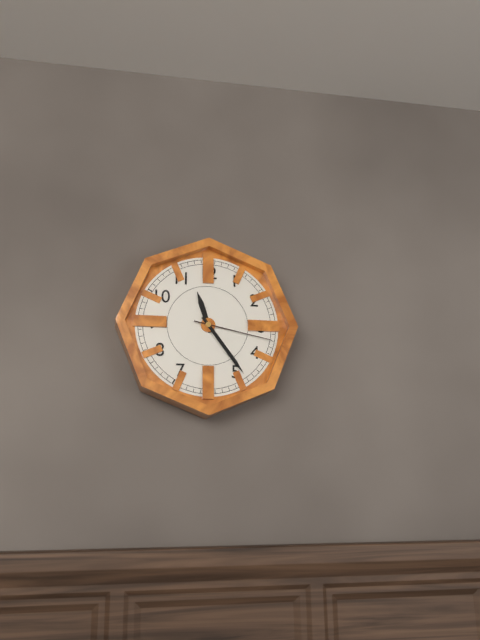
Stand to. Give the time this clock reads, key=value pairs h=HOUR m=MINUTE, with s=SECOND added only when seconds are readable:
h=11 m=24 s=17
